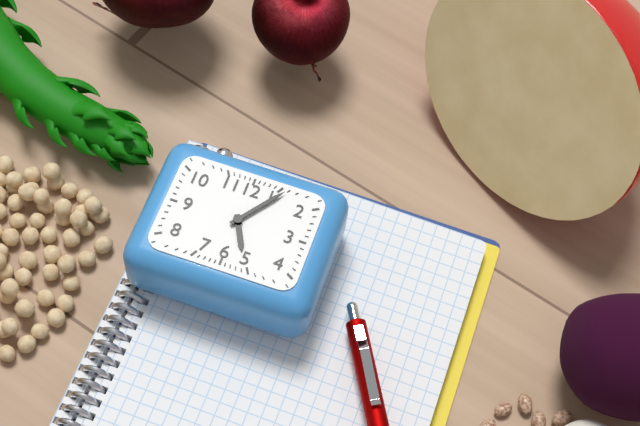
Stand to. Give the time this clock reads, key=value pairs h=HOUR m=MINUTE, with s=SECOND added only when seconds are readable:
h=5 m=6
